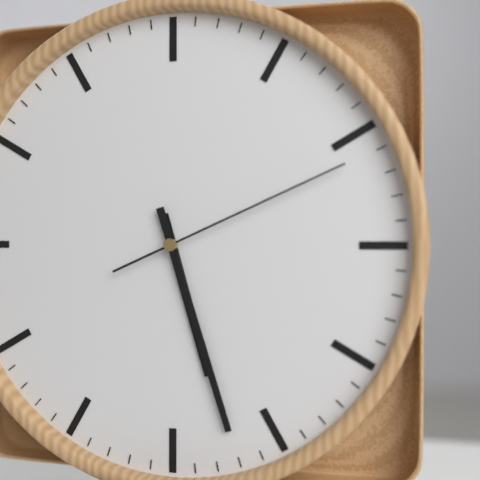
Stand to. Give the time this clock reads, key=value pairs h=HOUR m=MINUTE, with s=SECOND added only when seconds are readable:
h=5 m=27 s=11
